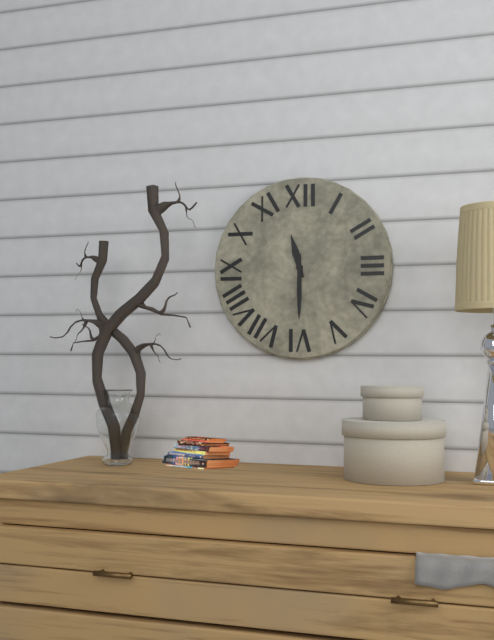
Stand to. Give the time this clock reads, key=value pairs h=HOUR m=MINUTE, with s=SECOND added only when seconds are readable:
h=11 m=30
